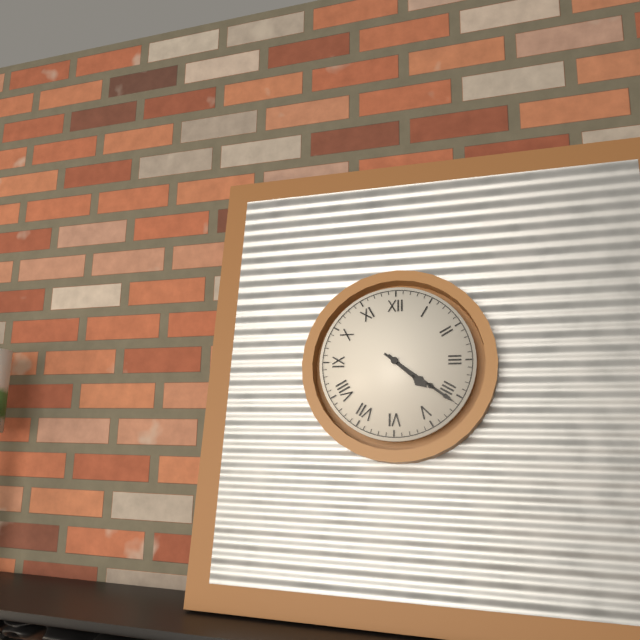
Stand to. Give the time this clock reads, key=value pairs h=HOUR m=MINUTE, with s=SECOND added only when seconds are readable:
h=4 m=21
